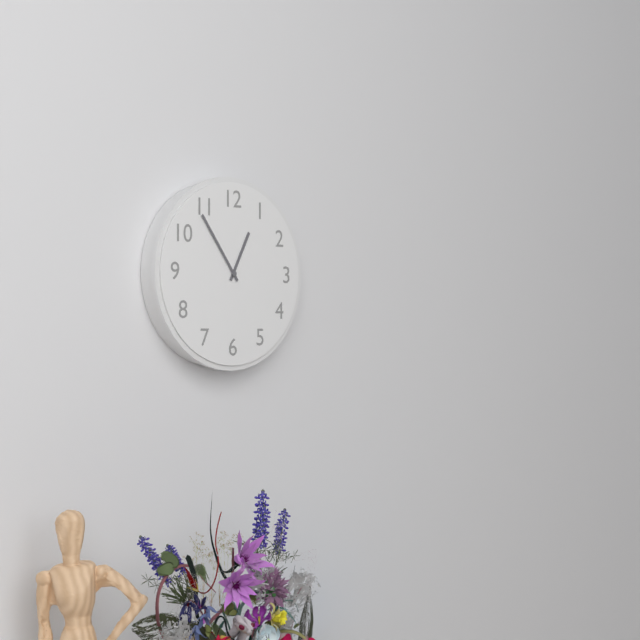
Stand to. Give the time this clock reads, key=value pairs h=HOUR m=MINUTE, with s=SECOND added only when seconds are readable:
h=12 m=54
